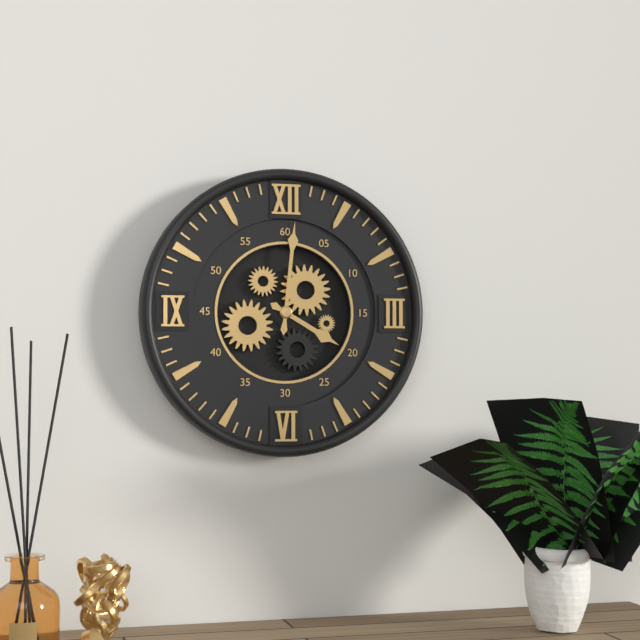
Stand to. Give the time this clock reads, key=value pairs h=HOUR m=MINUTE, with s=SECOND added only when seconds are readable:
h=4 m=1
